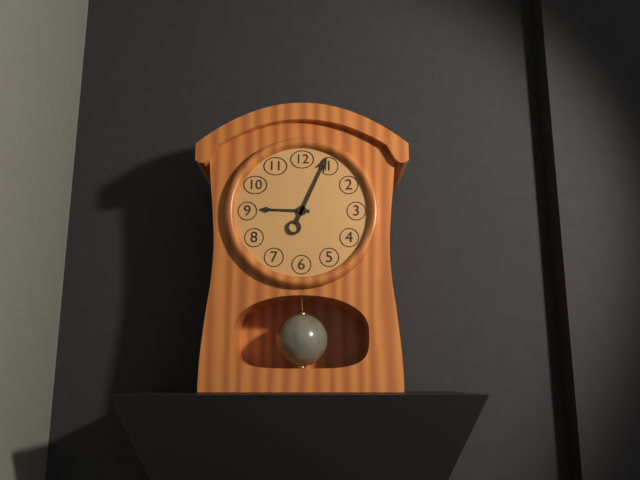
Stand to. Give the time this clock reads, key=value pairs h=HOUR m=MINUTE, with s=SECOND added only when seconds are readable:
h=9 m=4
